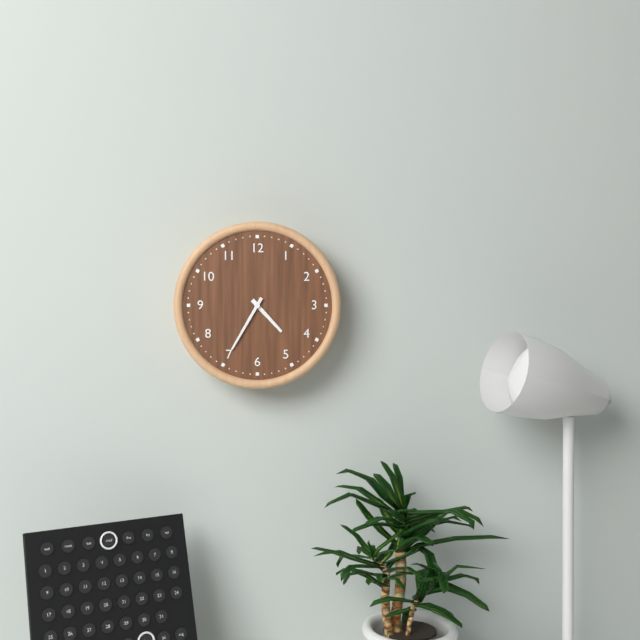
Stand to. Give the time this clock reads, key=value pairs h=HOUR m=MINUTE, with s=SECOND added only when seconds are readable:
h=4 m=35
